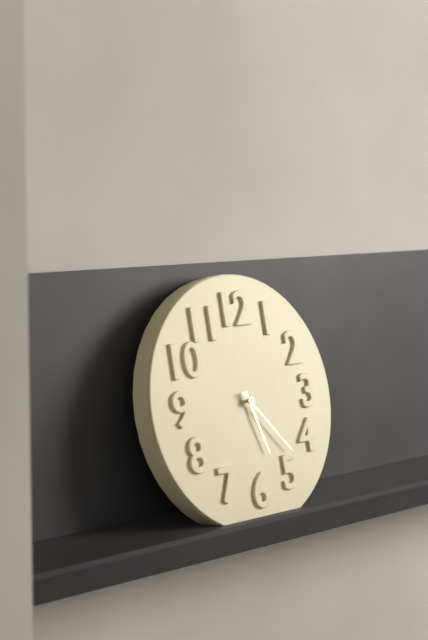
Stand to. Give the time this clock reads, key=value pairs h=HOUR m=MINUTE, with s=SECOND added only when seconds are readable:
h=5 m=23
